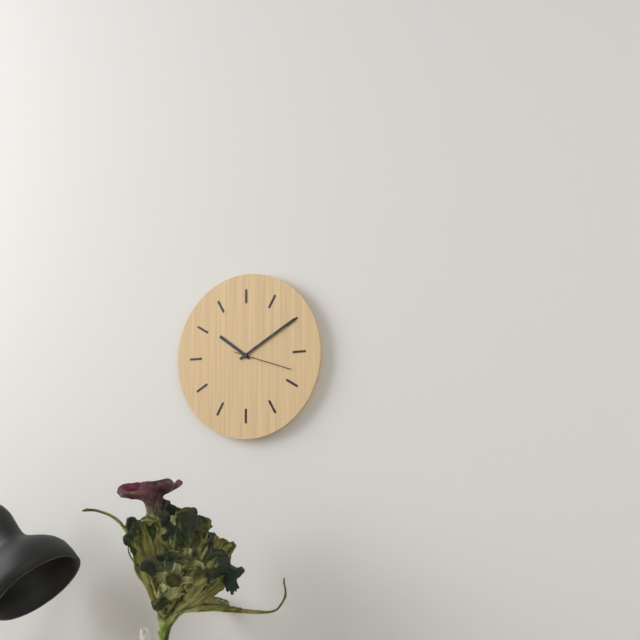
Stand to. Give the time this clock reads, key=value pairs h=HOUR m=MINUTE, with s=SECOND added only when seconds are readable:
h=10 m=10 s=18
